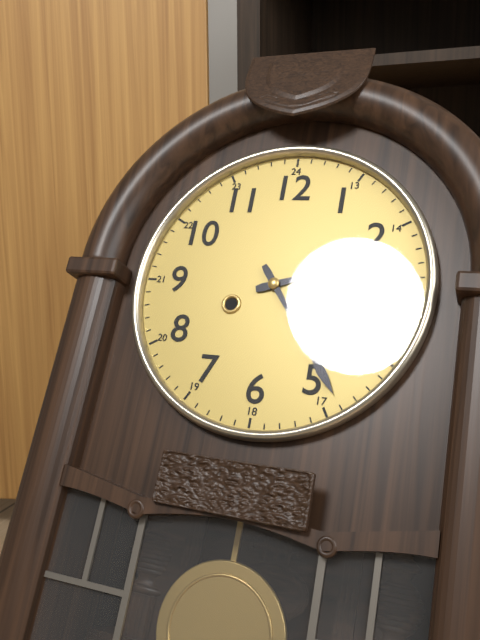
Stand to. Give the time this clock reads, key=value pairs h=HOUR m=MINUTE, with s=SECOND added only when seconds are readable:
h=2 m=24
